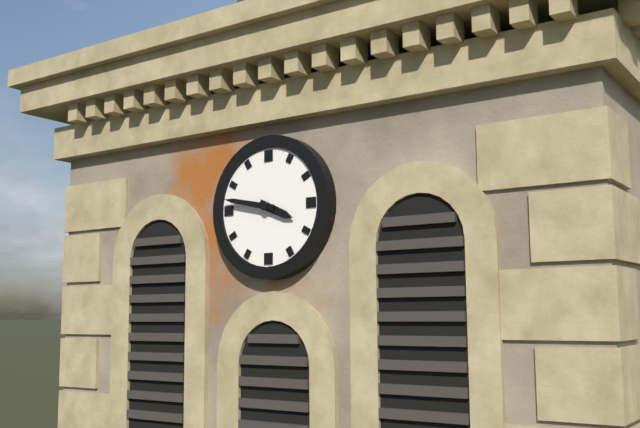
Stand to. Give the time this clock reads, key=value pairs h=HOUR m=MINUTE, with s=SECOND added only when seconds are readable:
h=3 m=47
